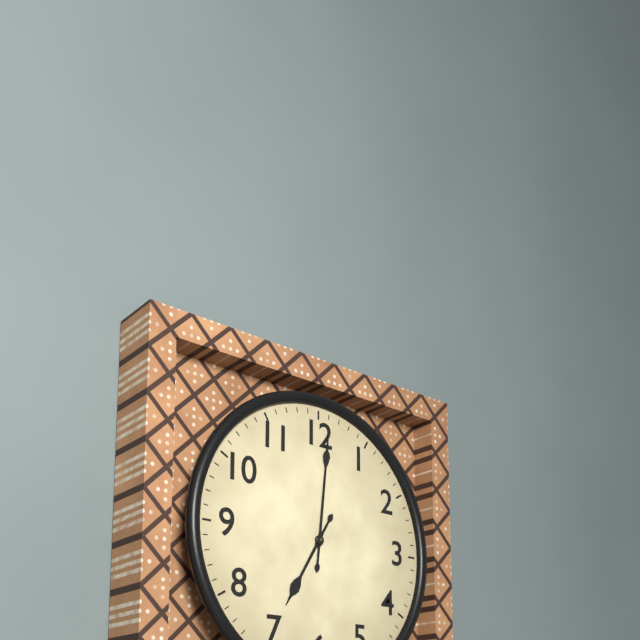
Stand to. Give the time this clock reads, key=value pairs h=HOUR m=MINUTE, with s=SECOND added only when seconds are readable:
h=7 m=1
